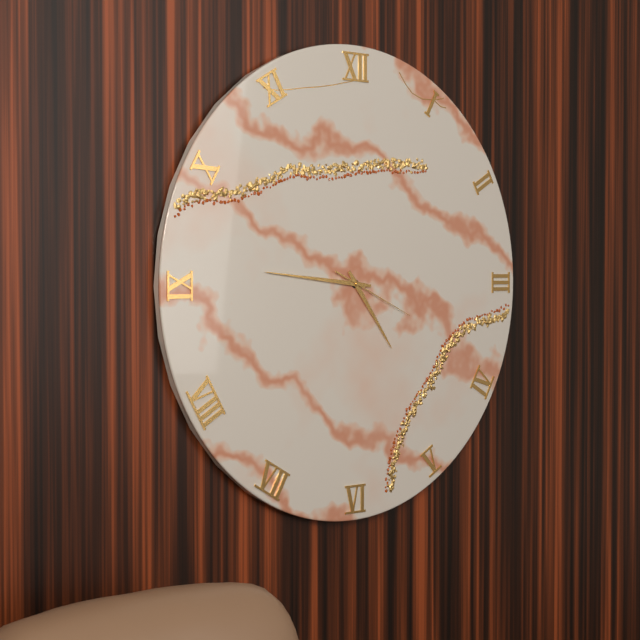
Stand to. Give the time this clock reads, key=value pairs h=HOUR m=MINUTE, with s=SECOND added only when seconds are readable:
h=4 m=46 s=19
